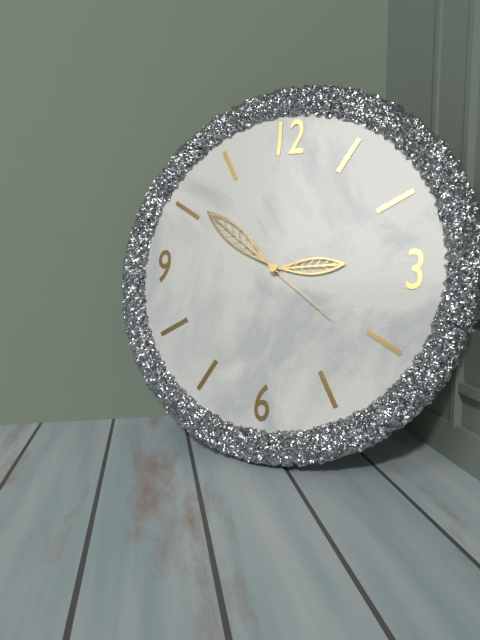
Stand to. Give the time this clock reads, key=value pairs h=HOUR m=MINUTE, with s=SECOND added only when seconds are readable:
h=2 m=51 s=21
